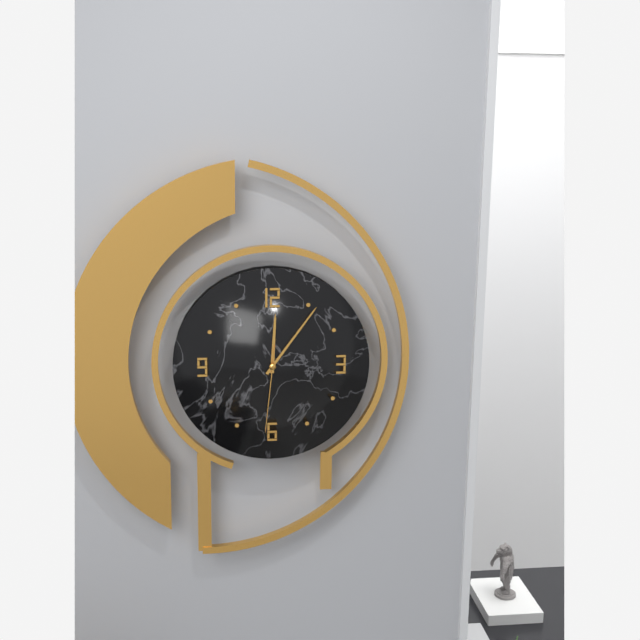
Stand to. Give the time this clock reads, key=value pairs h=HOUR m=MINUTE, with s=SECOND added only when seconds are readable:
h=12 m=6 s=31
